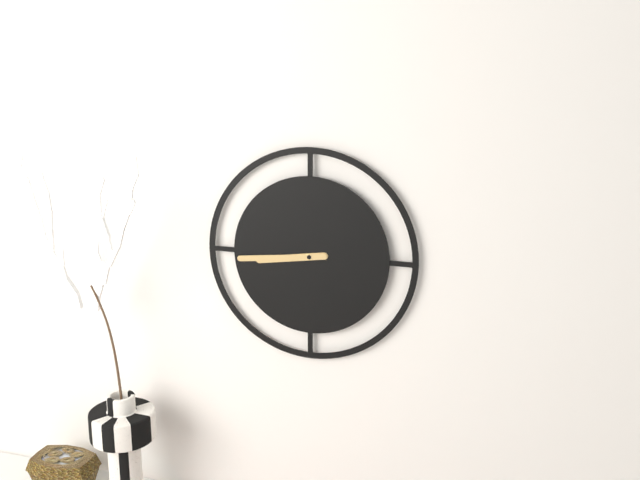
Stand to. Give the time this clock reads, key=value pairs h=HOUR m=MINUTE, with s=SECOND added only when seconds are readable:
h=8 m=44
